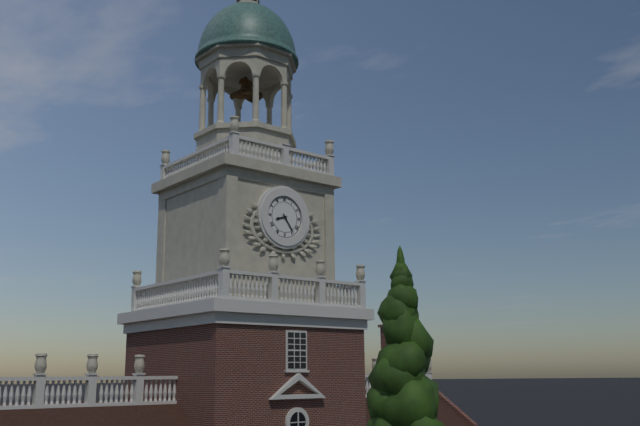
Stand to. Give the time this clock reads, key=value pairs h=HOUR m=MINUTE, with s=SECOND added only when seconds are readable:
h=8 m=24
